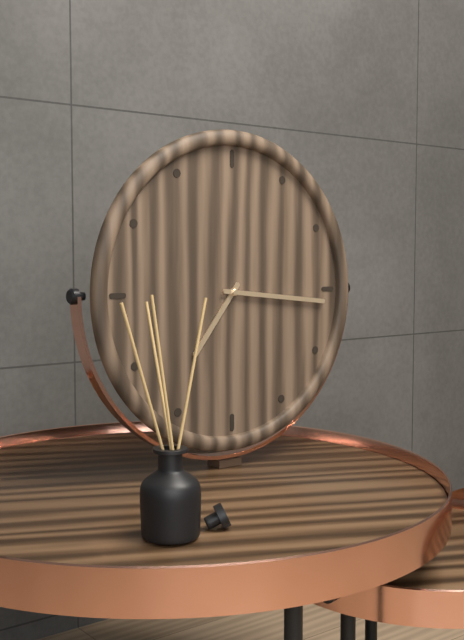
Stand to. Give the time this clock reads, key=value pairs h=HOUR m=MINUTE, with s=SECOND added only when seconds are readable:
h=7 m=16
